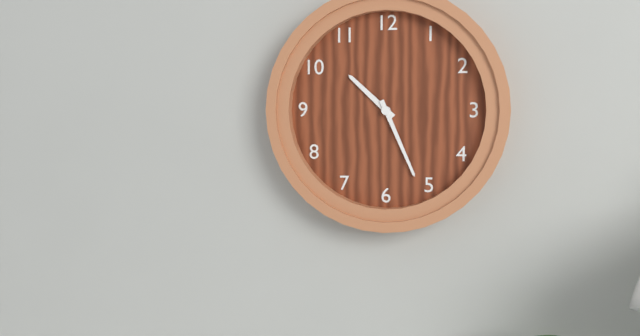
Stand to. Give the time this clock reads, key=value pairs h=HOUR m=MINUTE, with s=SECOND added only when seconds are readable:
h=10 m=26
